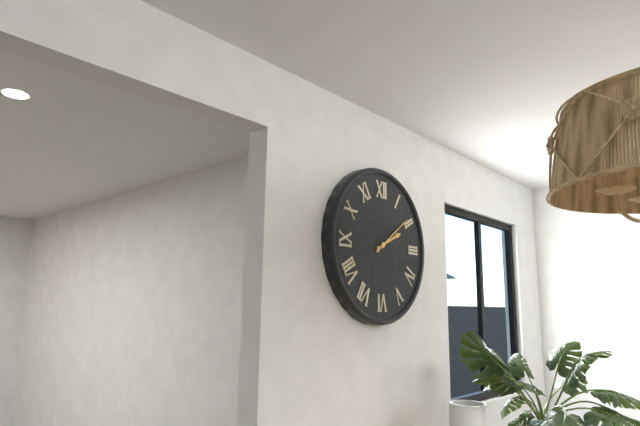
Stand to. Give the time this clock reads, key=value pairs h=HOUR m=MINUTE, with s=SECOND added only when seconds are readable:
h=2 m=9
